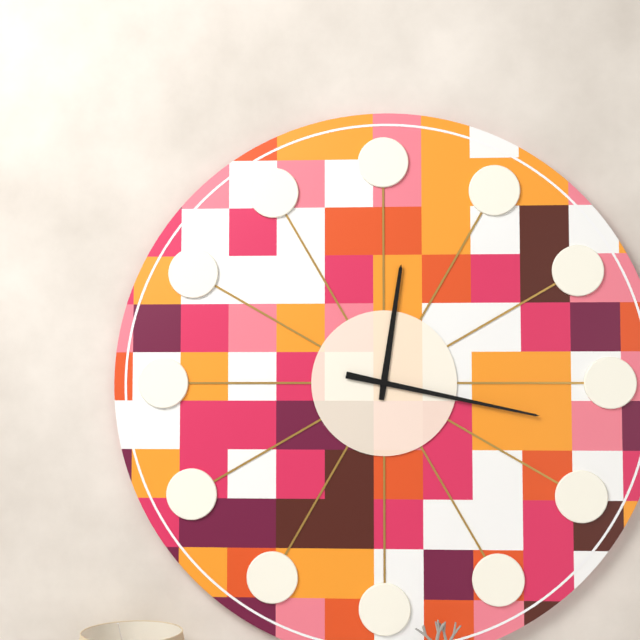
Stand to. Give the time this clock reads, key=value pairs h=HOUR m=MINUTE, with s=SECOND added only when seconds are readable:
h=12 m=17
